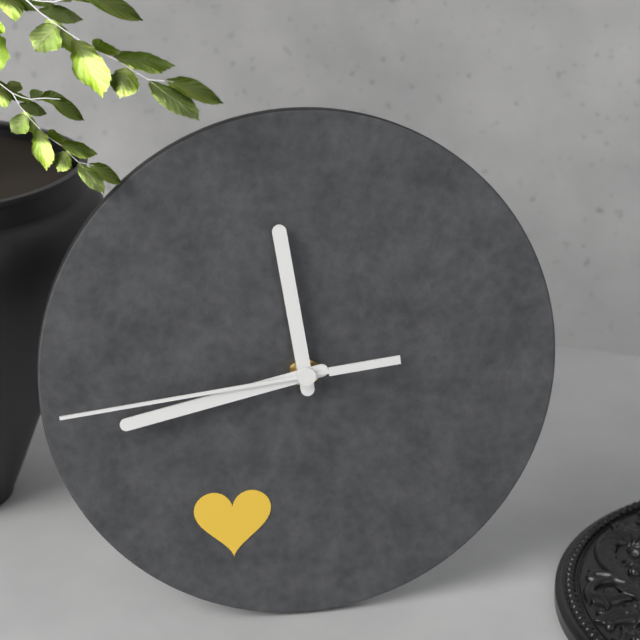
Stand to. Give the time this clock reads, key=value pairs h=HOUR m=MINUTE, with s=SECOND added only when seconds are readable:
h=11 m=43 s=44
